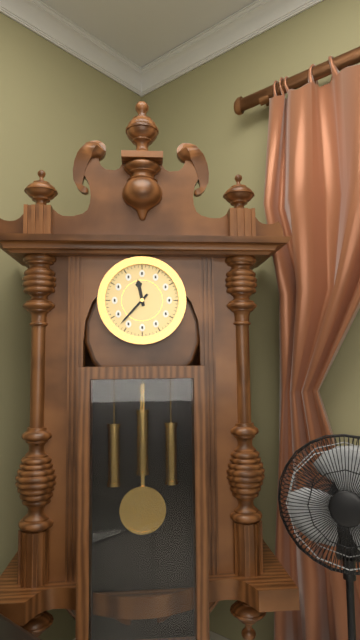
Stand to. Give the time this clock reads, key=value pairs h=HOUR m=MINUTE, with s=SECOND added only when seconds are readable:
h=11 m=37
